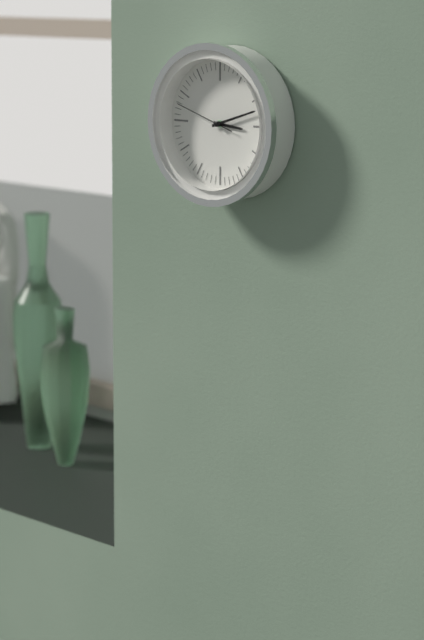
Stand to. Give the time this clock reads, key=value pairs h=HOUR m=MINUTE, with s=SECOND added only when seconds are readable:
h=3 m=12 s=48
